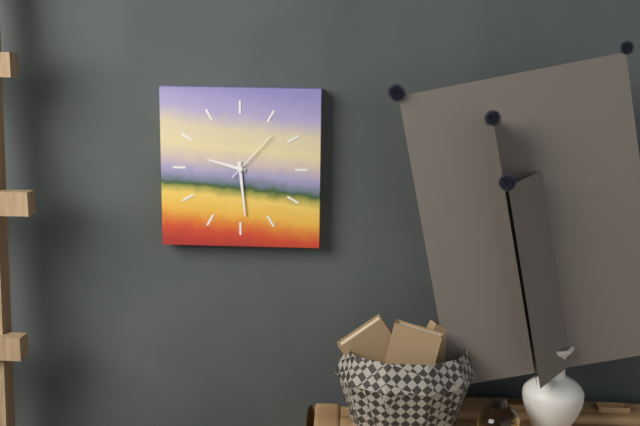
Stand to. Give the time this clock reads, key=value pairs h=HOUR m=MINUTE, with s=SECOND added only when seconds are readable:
h=9 m=29 s=7
